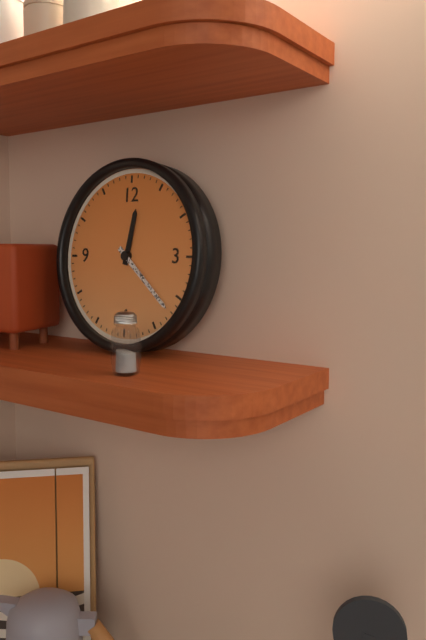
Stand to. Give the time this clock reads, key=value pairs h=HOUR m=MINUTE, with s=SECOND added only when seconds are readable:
h=12 m=22
